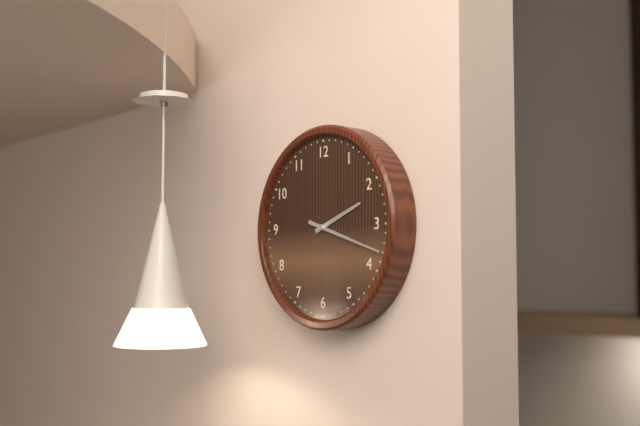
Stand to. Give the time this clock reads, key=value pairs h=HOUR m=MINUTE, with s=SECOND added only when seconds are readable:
h=2 m=18
